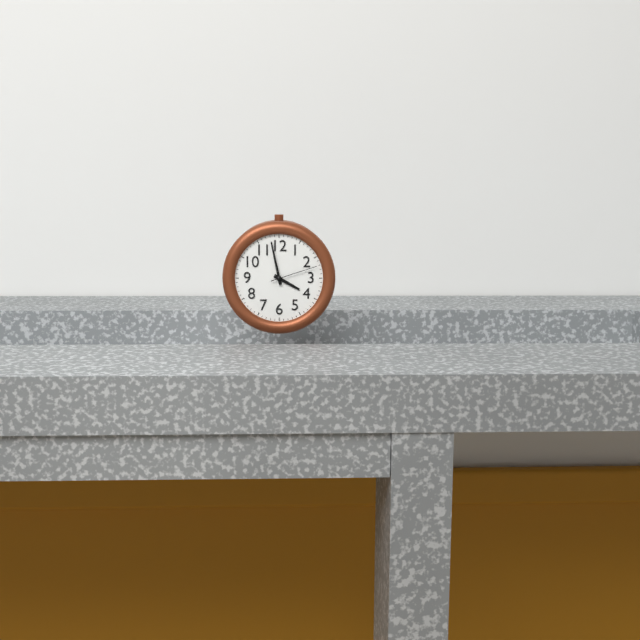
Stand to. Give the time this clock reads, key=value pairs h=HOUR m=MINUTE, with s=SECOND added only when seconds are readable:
h=3 m=58
